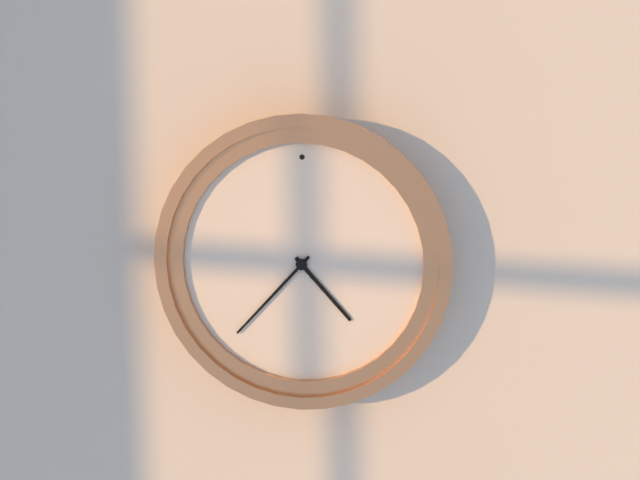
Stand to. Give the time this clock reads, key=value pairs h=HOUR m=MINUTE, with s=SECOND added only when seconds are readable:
h=4 m=37
